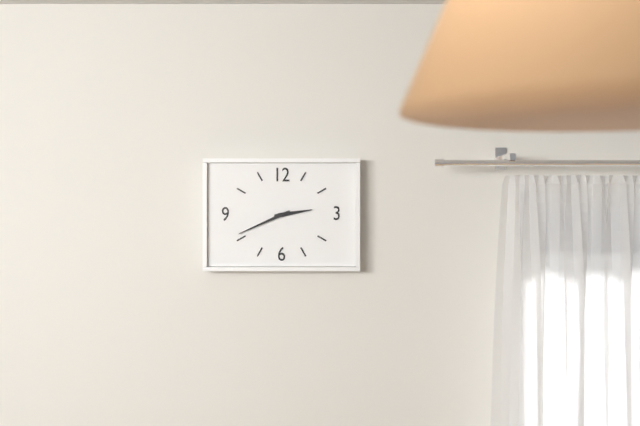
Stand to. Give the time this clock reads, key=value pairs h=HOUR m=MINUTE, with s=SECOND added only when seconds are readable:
h=2 m=41
